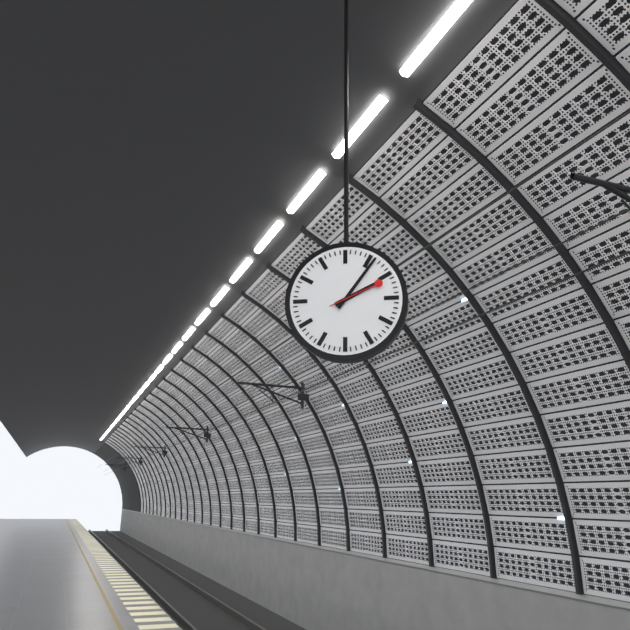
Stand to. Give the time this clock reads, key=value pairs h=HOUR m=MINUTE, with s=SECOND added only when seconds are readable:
h=2 m=6 s=11
